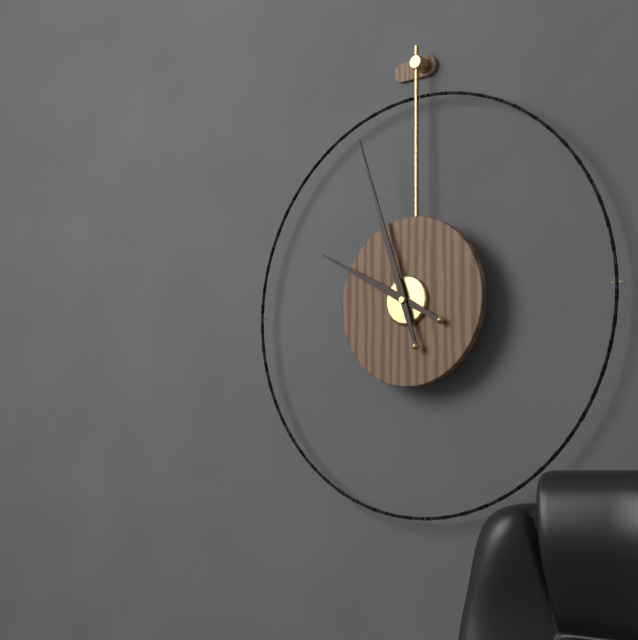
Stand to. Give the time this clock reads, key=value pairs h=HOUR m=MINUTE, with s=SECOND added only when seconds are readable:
h=9 m=57
